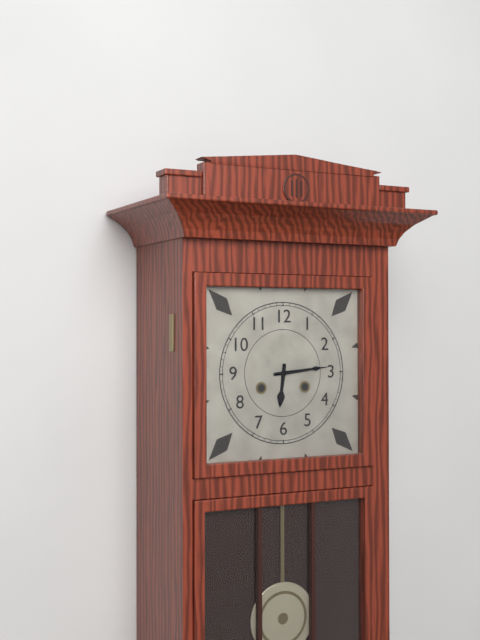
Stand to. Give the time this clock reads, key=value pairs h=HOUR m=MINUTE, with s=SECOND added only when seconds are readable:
h=6 m=14
